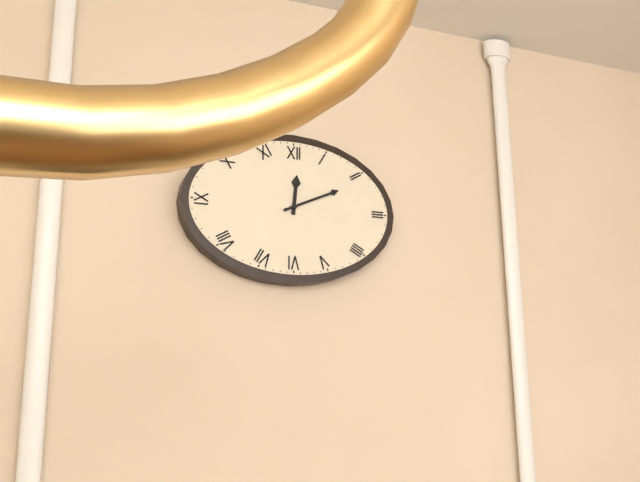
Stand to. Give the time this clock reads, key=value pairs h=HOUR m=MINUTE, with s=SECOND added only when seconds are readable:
h=12 m=11
